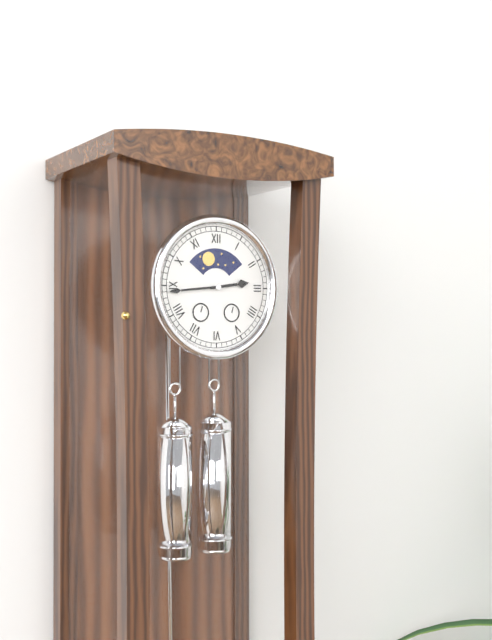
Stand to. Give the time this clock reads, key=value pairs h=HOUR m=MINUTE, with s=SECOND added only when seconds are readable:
h=2 m=44
